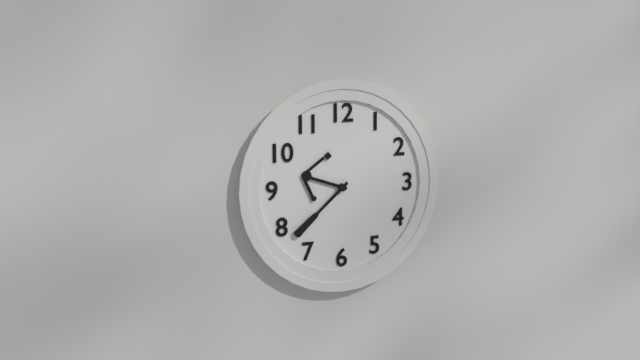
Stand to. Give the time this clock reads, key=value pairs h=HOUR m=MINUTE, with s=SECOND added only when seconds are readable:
h=9 m=38
